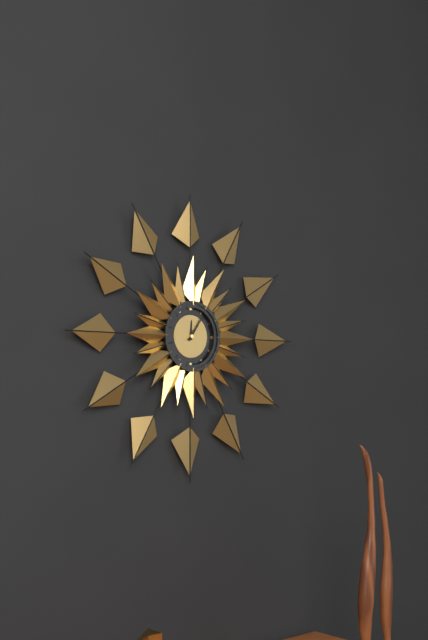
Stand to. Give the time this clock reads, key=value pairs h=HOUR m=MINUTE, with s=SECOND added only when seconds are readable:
h=12 m=6
